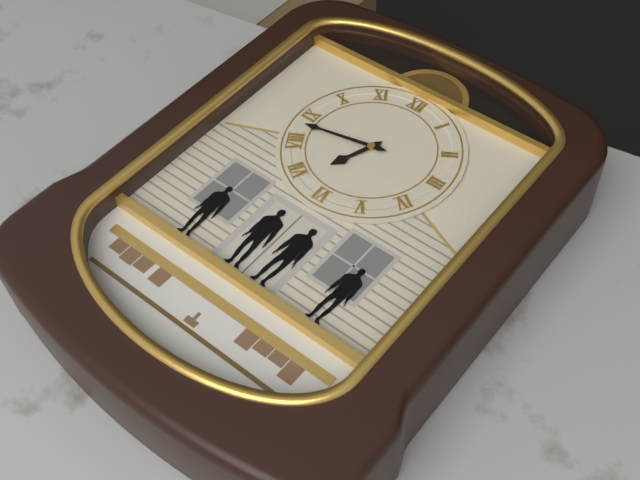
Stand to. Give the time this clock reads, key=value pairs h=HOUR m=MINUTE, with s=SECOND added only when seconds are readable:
h=6 m=43
